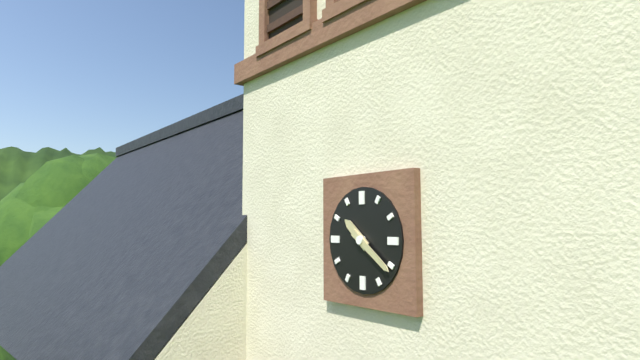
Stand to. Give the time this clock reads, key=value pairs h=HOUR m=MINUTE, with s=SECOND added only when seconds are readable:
h=10 m=21
